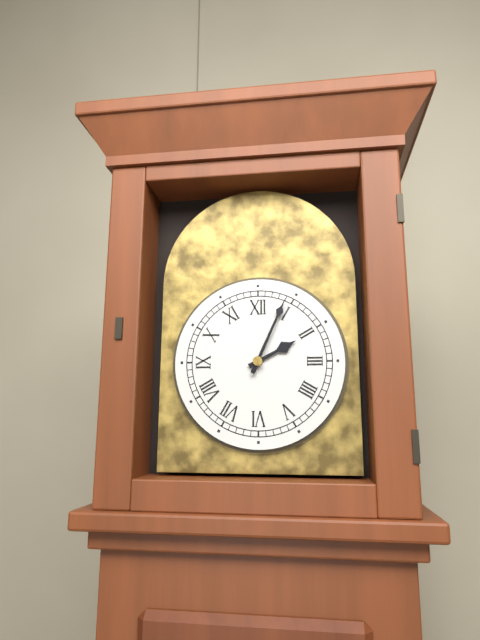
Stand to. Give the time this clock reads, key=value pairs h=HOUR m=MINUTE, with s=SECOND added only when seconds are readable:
h=2 m=4
